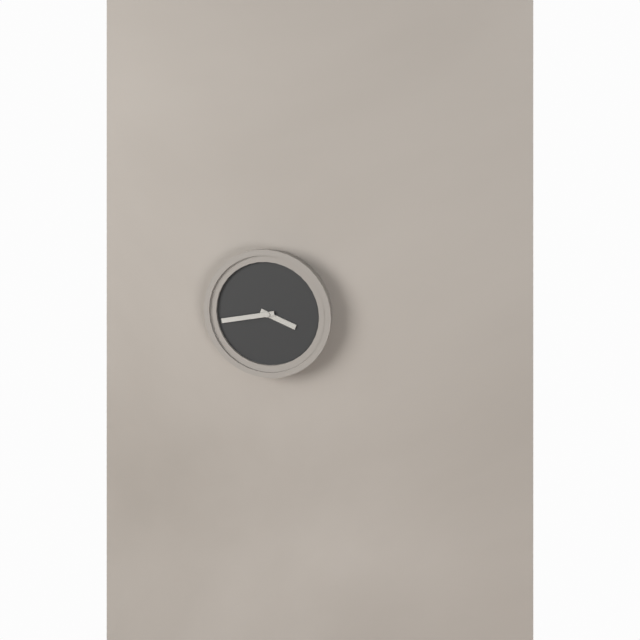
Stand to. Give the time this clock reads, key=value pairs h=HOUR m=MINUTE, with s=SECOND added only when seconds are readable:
h=3 m=43
